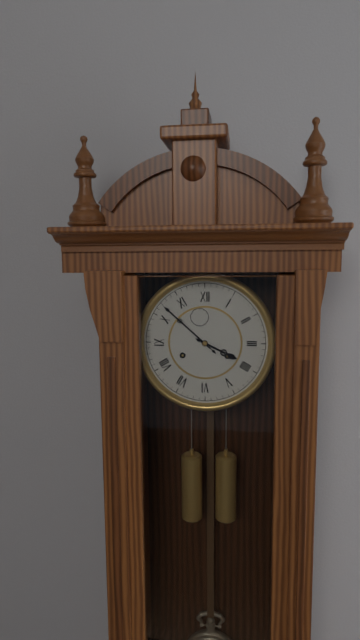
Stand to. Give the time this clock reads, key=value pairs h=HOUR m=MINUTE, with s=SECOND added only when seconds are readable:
h=3 m=52
